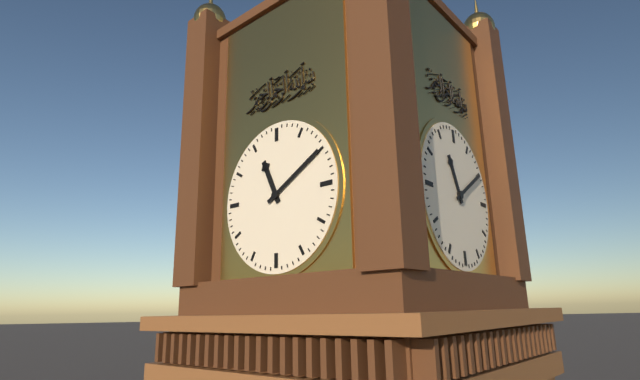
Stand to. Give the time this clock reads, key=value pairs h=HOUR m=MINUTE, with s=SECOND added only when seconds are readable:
h=11 m=10
